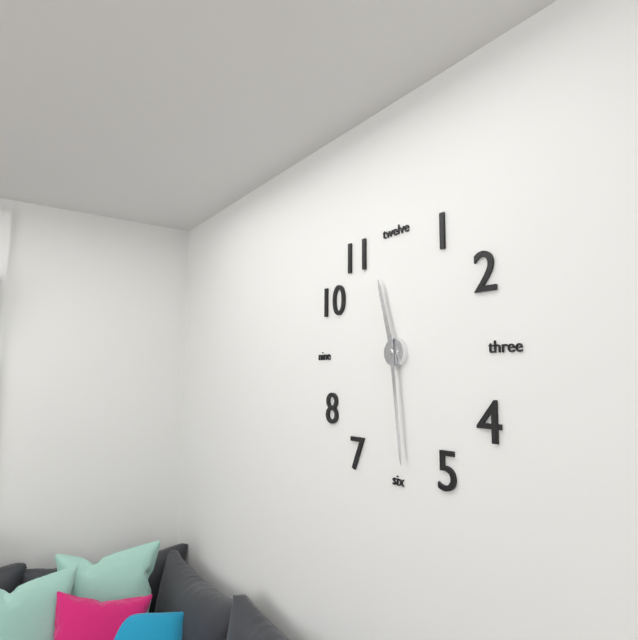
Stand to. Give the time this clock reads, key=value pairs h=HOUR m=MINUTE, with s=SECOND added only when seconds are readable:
h=11 m=29
